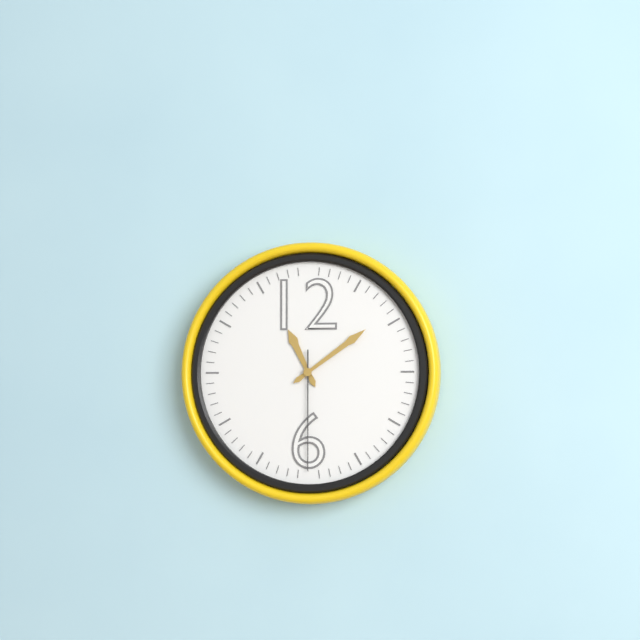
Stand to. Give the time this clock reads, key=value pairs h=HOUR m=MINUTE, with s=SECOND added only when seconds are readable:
h=11 m=9 s=30
